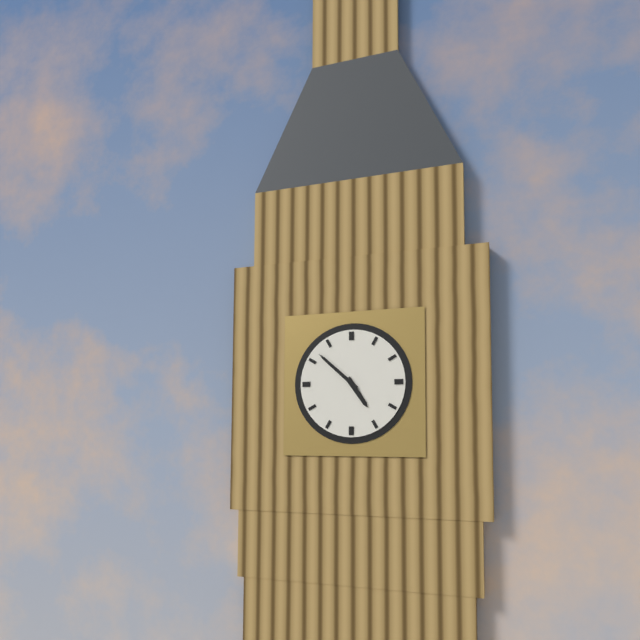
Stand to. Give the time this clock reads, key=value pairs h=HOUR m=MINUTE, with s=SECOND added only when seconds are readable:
h=4 m=52
